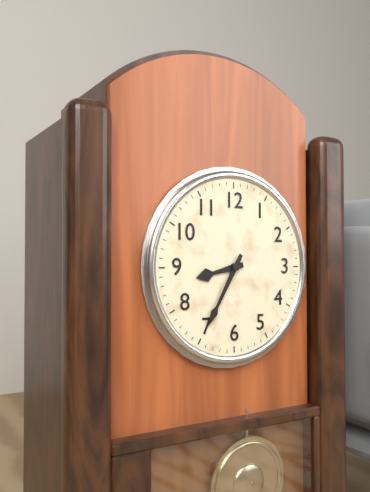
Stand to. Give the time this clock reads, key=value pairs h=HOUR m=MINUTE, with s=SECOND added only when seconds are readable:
h=8 m=35
